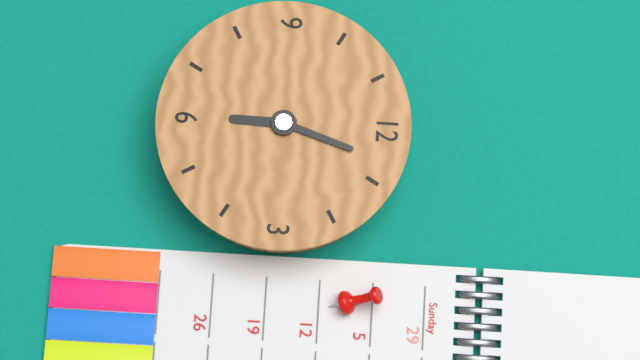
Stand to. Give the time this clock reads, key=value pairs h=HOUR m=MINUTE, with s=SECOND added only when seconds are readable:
h=6 m=3
